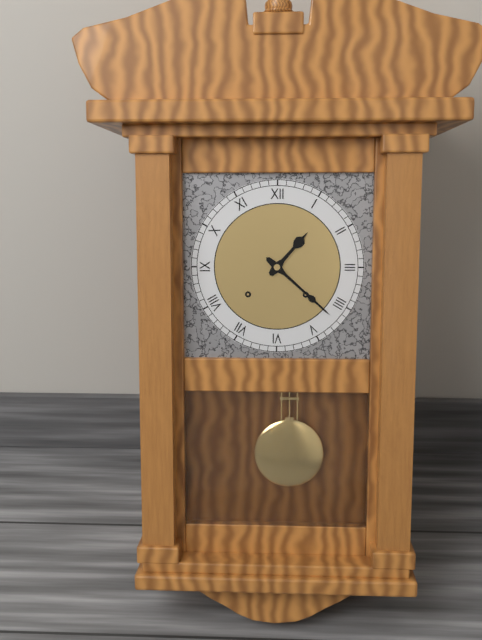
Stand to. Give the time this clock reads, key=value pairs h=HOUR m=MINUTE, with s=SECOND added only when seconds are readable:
h=1 m=22
